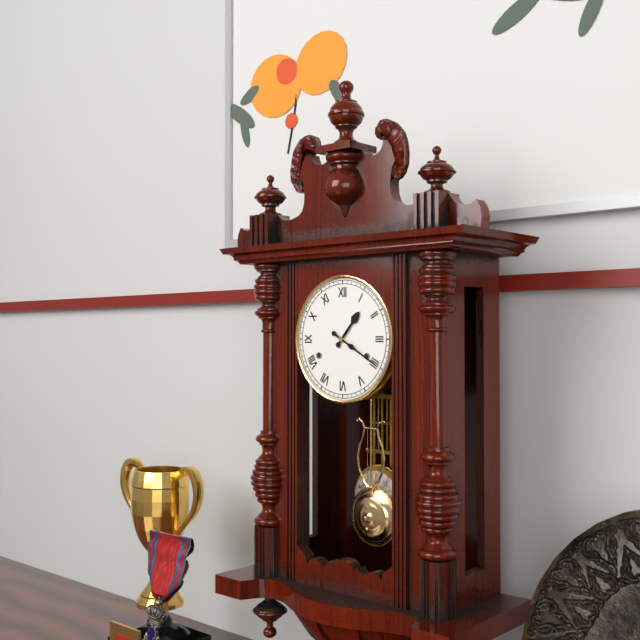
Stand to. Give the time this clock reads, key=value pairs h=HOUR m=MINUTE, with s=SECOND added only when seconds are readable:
h=1 m=20
